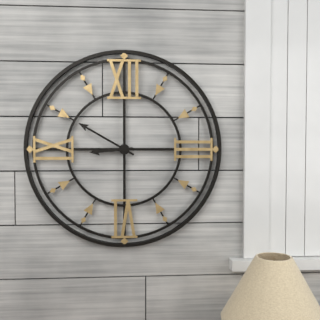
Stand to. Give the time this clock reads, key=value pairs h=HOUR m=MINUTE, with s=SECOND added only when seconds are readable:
h=8 m=50
